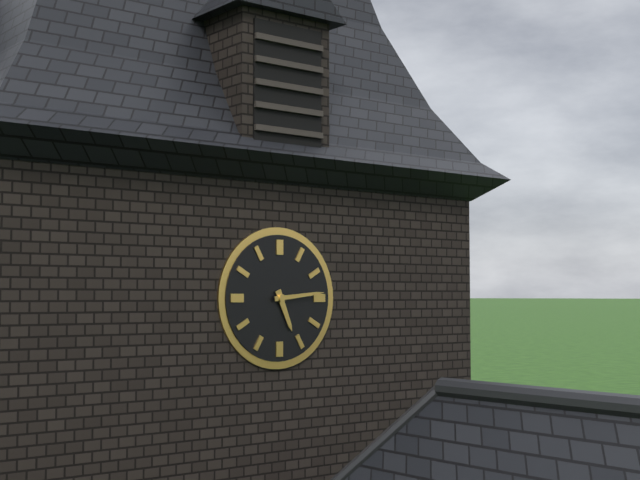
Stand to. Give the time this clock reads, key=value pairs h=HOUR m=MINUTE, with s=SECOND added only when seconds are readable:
h=5 m=14
